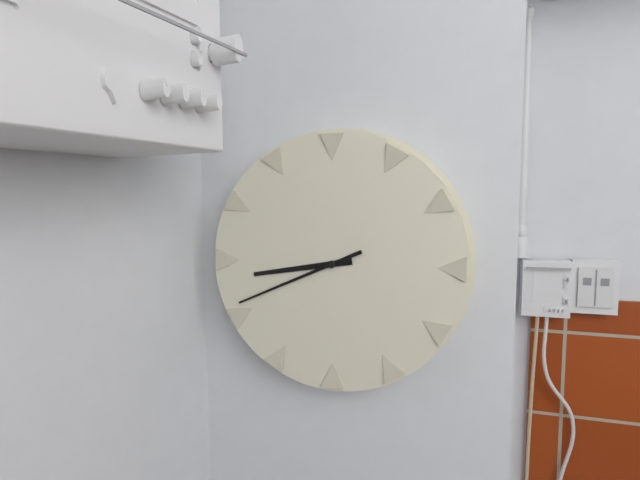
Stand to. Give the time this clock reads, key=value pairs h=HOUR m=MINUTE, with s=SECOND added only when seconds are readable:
h=8 m=41
